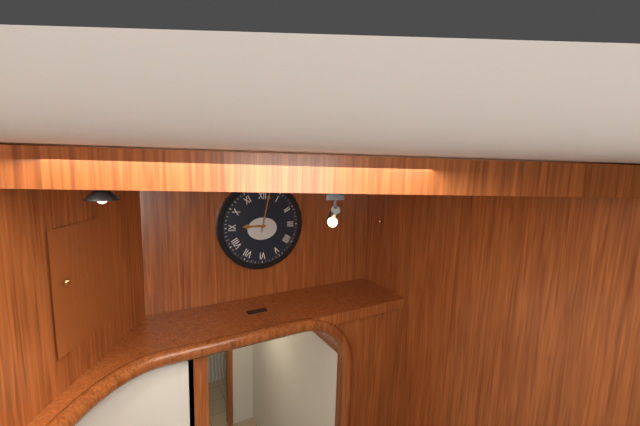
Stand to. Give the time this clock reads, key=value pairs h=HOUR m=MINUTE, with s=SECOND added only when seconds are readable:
h=9 m=2
